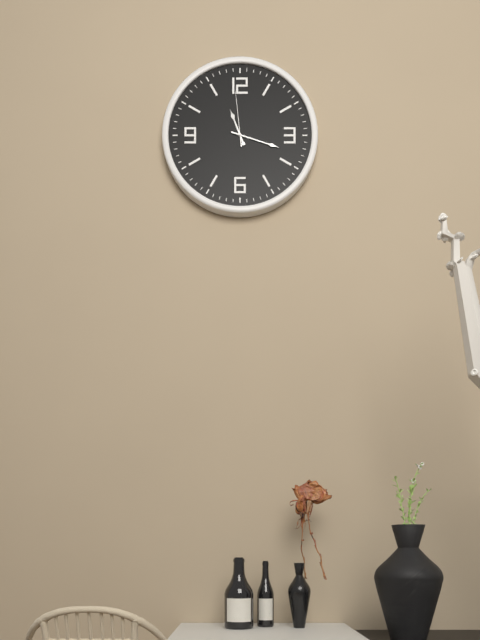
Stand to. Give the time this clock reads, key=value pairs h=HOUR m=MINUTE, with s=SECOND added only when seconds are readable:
h=11 m=18 s=59
